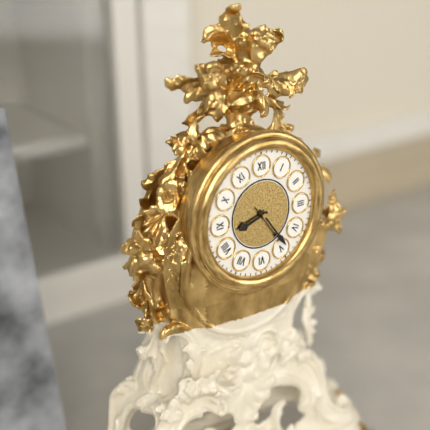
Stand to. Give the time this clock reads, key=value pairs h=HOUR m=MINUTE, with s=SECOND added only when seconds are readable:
h=8 m=24
